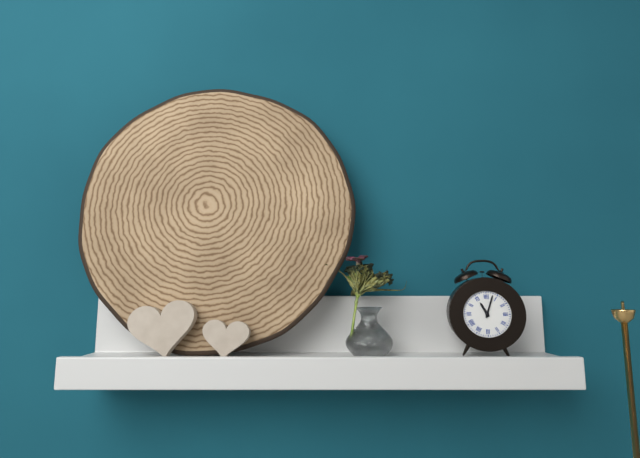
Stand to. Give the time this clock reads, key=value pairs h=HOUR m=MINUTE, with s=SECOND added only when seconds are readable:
h=11 m=3
